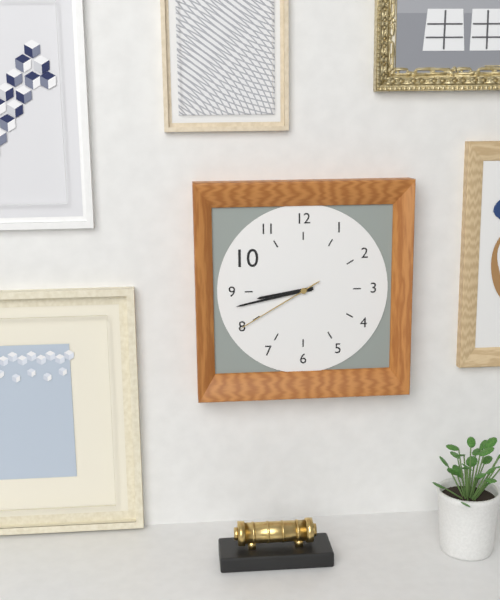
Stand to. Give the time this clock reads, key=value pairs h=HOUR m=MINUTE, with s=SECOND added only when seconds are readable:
h=8 m=43 s=40
